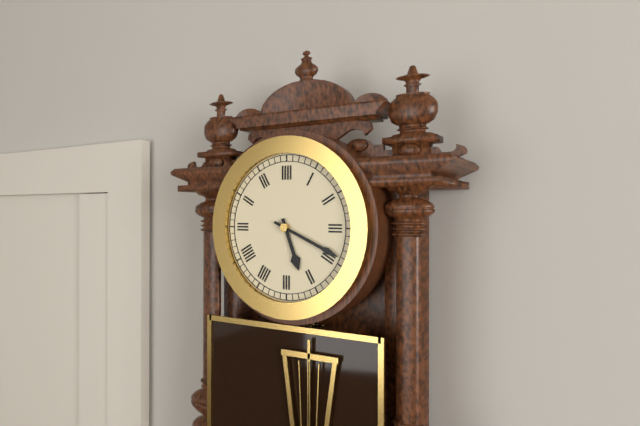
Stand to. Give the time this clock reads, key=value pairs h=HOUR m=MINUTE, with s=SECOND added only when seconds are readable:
h=5 m=19
